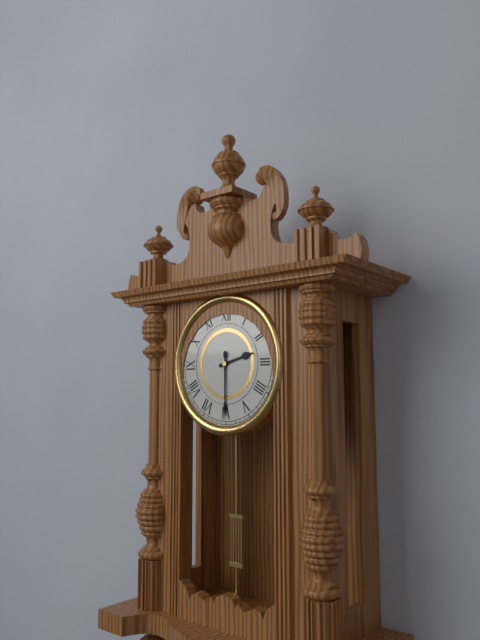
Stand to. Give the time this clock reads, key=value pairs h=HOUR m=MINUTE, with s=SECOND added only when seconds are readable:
h=2 m=30
